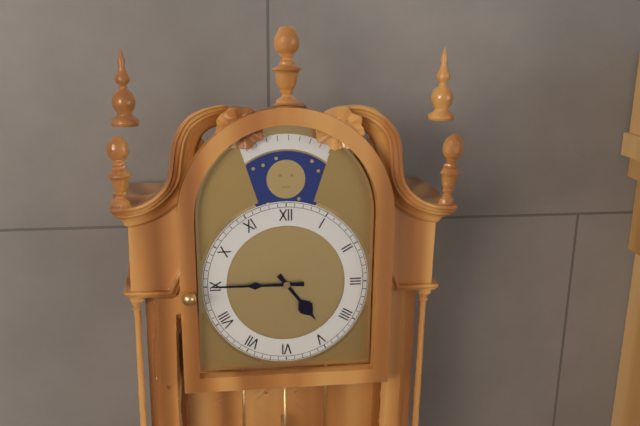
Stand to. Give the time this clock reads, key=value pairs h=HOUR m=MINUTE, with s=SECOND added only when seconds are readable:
h=4 m=45
